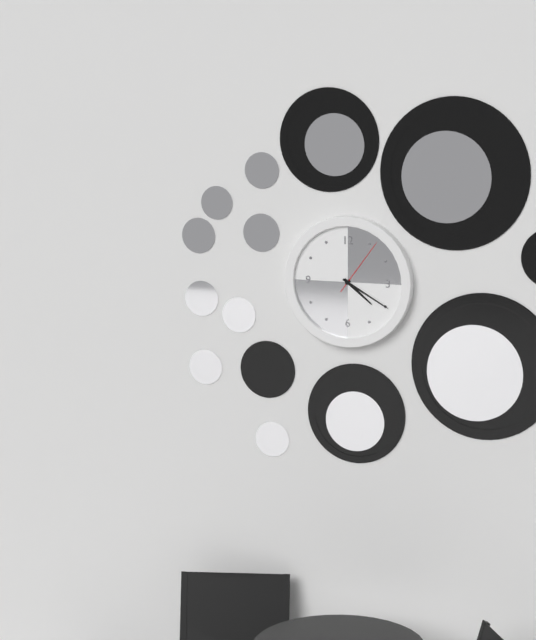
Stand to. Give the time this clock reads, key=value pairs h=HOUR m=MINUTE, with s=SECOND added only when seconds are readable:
h=4 m=20 s=6
